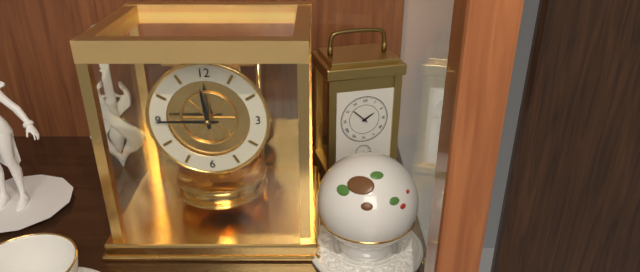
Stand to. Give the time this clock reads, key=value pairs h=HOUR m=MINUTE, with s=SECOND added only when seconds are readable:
h=11 m=45
